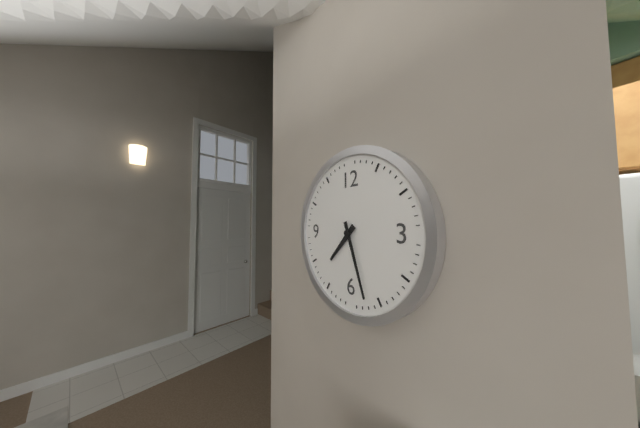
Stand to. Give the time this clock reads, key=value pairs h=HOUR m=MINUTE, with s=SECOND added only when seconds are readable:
h=7 m=27
